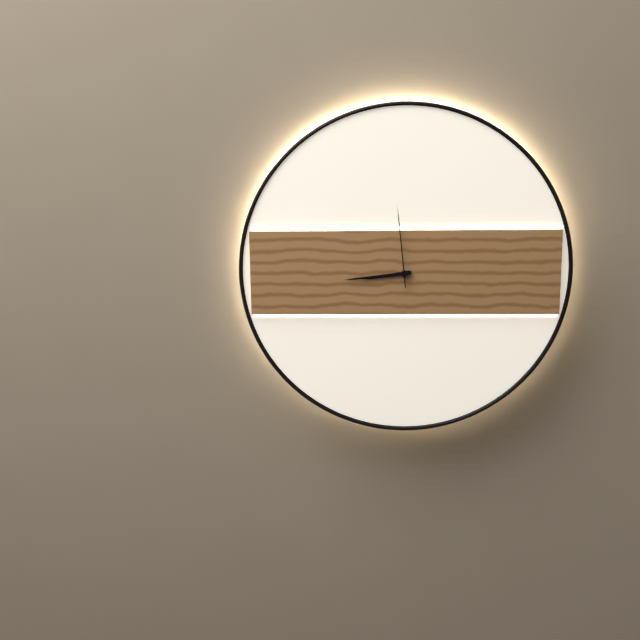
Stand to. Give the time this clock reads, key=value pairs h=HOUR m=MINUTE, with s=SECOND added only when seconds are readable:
h=8 m=44 s=59
